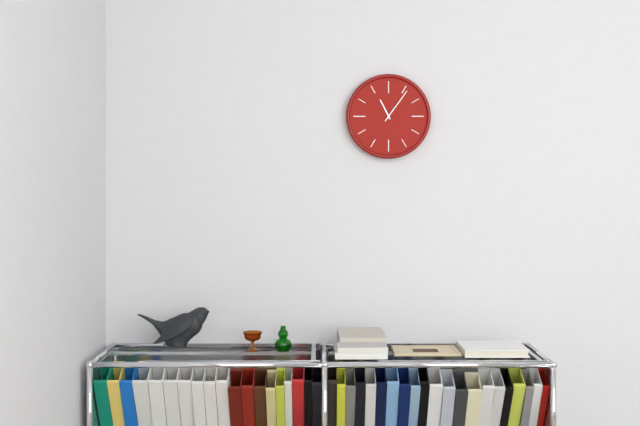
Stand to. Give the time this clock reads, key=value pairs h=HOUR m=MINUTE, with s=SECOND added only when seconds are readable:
h=11 m=6
